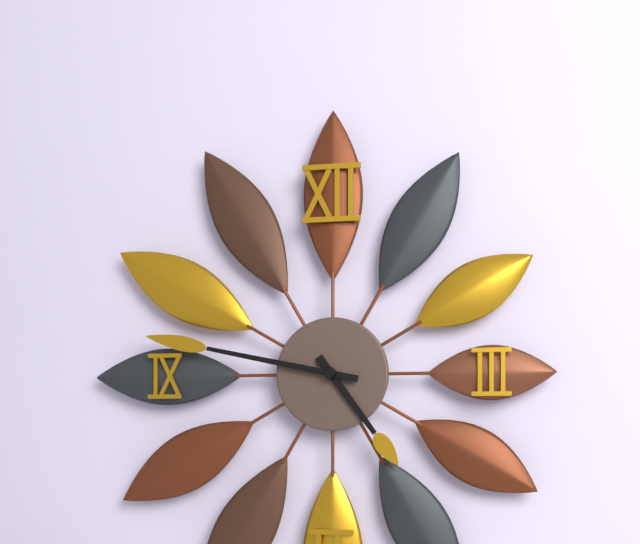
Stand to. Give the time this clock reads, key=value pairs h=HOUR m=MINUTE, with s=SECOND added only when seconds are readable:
h=4 m=47
